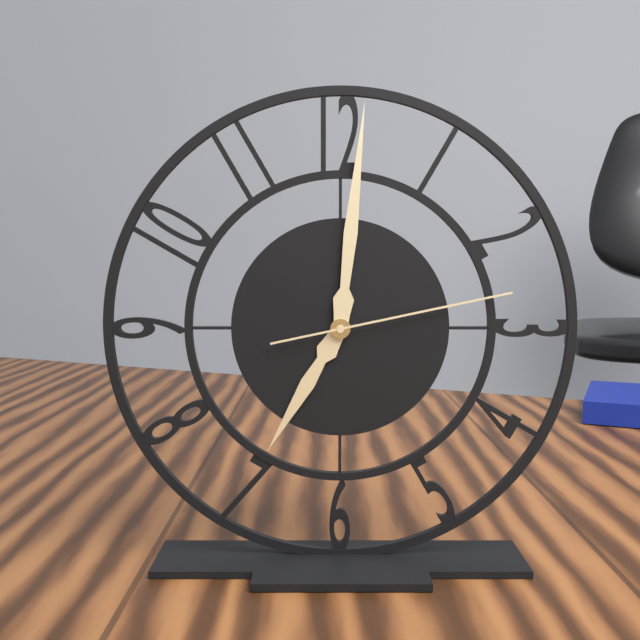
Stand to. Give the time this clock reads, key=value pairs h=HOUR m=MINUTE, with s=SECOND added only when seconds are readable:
h=7 m=1 s=13
